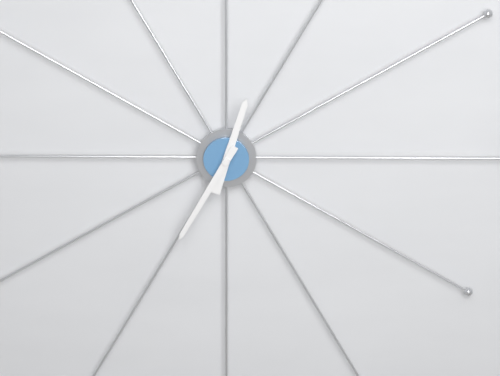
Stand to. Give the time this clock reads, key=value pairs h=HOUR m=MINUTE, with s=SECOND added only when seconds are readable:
h=12 m=35
